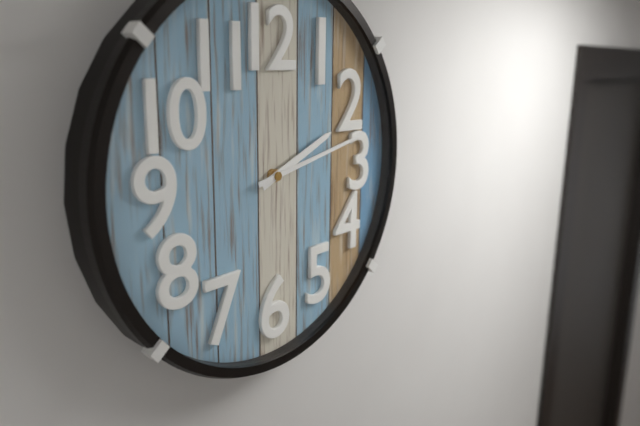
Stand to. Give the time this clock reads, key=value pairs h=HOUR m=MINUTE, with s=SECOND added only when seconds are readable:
h=2 m=13
